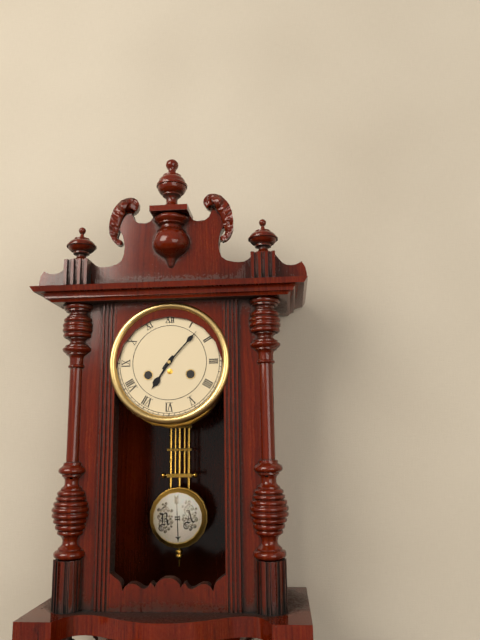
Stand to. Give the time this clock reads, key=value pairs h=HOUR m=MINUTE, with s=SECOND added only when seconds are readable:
h=7 m=7
